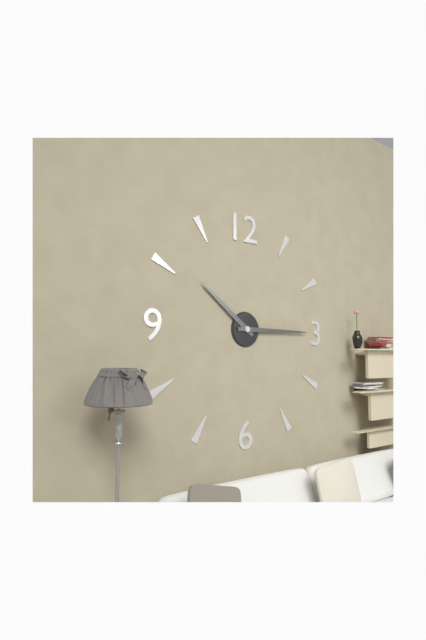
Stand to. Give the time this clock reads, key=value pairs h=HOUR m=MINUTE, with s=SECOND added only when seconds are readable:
h=10 m=15
